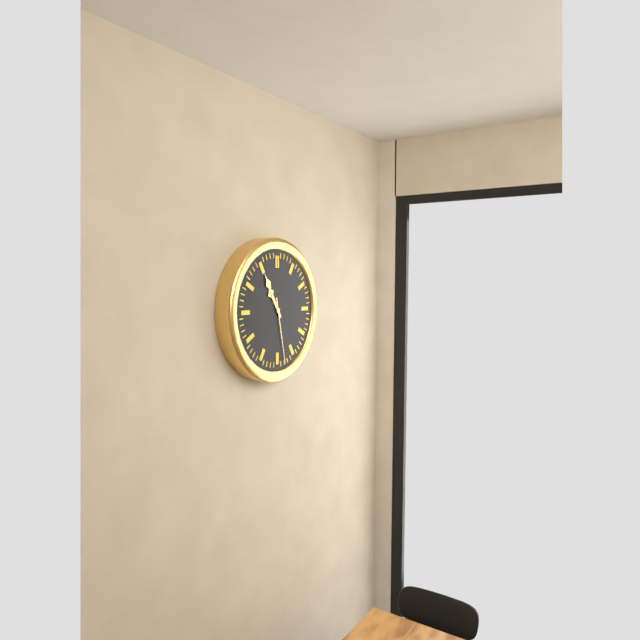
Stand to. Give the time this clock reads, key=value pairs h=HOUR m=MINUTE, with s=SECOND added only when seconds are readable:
h=10 m=55 s=28
